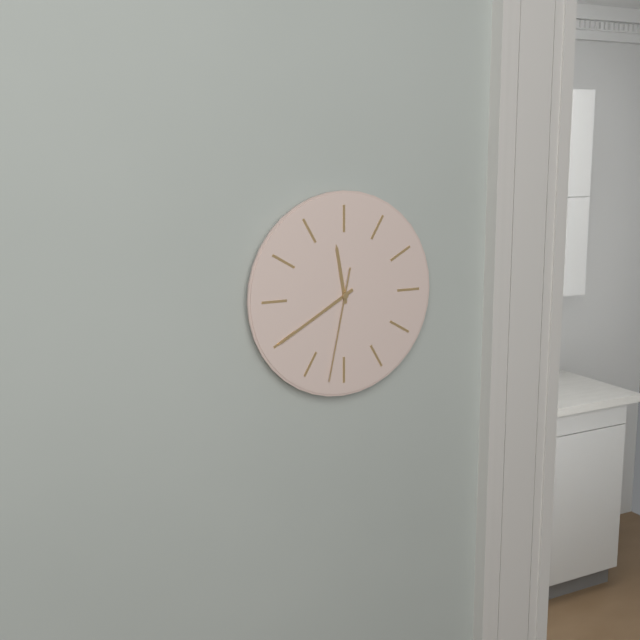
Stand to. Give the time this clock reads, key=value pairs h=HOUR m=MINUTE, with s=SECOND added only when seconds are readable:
h=11 m=40 s=32
